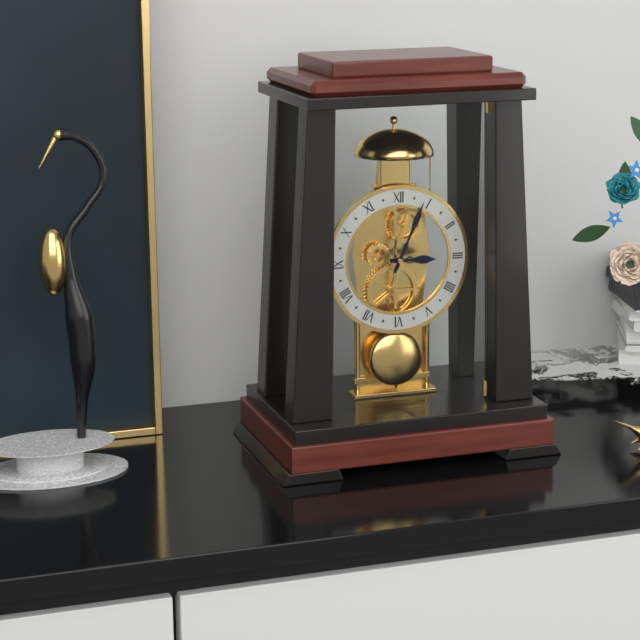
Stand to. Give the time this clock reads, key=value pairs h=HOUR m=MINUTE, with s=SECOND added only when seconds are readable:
h=3 m=4
